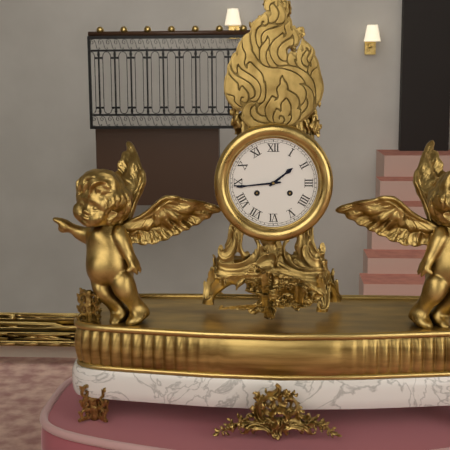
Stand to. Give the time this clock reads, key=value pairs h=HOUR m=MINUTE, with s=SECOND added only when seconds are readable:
h=1 m=44
